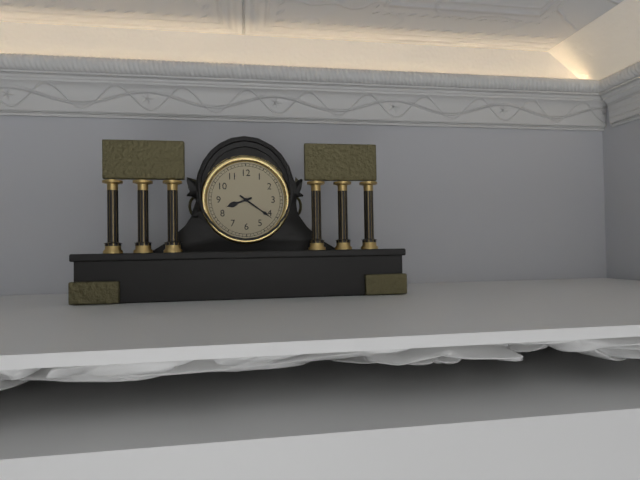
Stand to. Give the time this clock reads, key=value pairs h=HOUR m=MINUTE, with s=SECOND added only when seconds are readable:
h=8 m=21
